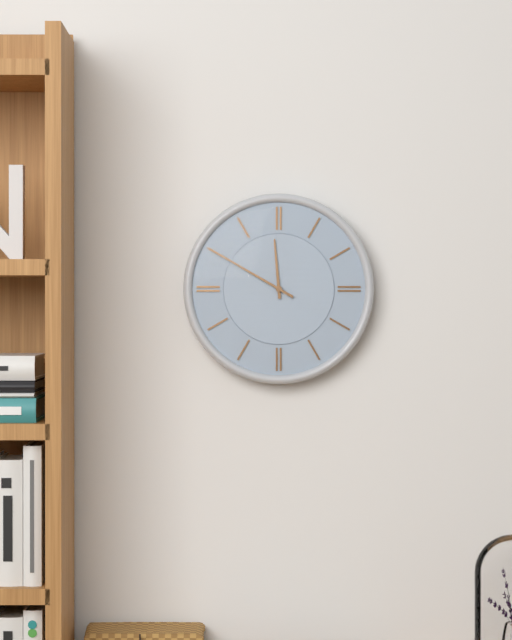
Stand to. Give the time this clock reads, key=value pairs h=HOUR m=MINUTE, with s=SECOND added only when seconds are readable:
h=11 m=50
